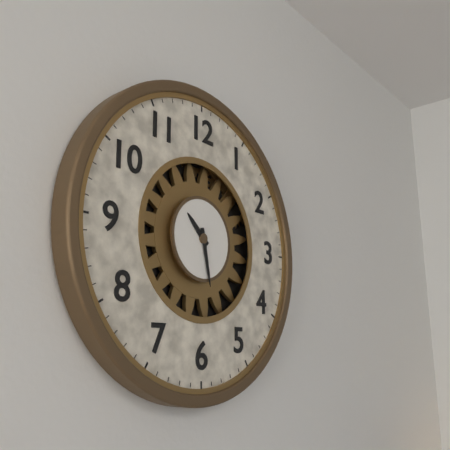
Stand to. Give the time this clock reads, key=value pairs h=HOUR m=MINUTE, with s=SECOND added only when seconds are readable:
h=10 m=28
